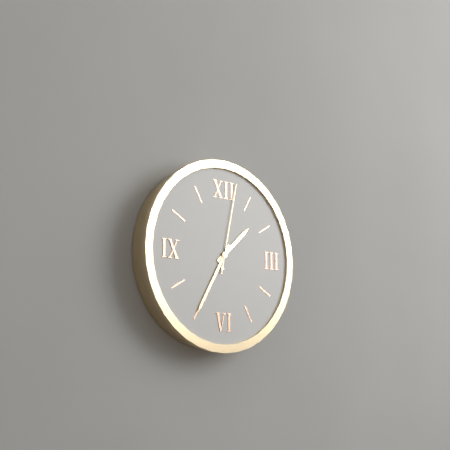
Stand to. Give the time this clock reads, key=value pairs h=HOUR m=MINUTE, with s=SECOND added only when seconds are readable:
h=1 m=35 s=2
